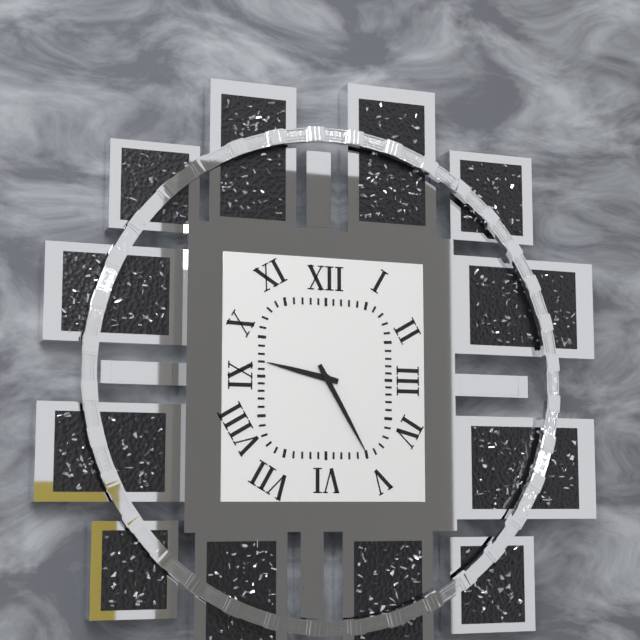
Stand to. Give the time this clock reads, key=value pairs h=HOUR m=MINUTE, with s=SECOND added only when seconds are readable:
h=9 m=25
